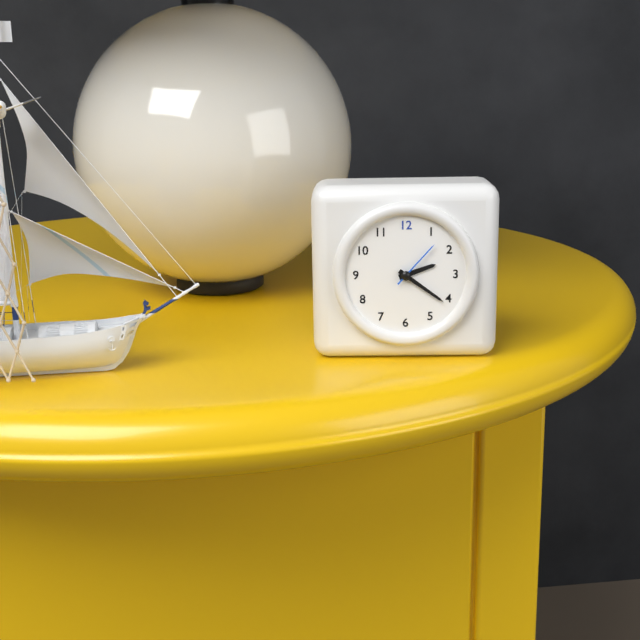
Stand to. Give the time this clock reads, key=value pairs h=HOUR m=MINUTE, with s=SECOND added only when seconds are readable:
h=2 m=21 s=7
